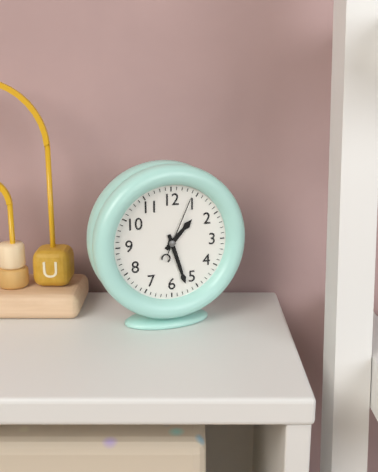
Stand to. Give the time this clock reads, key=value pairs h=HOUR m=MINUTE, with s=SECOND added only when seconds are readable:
h=1 m=27 s=4
